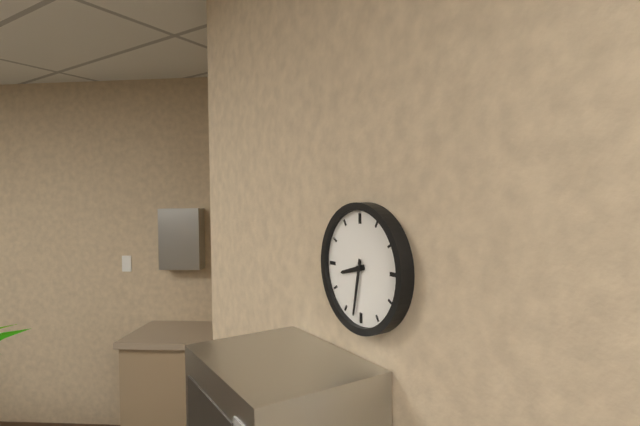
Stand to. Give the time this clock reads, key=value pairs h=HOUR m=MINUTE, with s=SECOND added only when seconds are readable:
h=8 m=32
